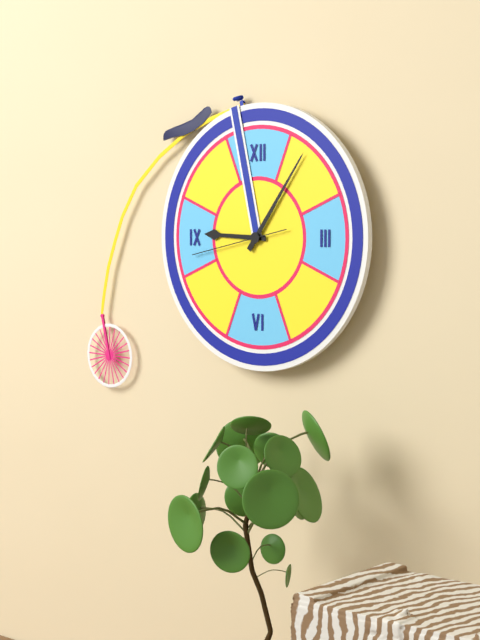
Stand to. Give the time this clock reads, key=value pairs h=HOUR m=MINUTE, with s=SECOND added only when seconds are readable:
h=9 m=6 s=43
